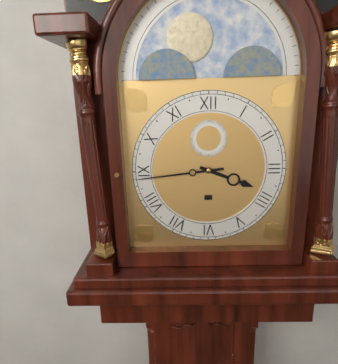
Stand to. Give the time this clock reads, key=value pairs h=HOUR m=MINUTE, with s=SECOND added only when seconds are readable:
h=3 m=44
